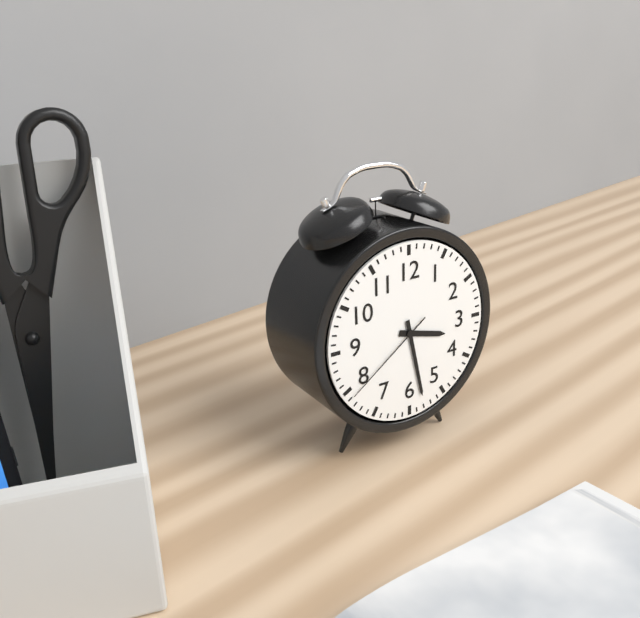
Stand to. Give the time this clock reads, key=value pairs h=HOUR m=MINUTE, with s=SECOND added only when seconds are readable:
h=3 m=28 s=39
